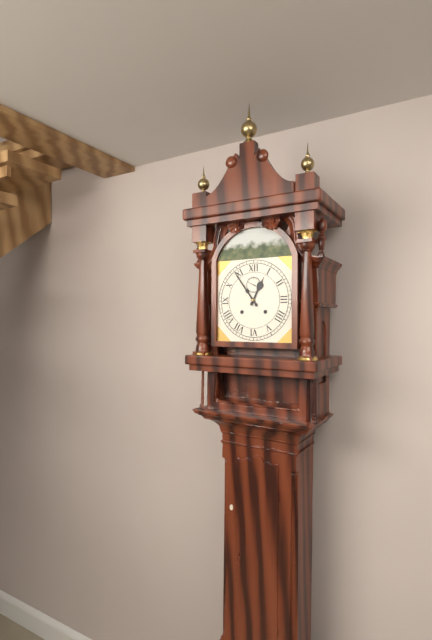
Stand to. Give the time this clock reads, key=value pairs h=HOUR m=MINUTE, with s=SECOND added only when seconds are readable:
h=12 m=54
